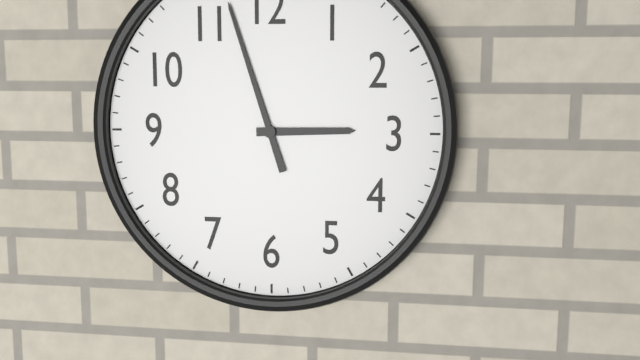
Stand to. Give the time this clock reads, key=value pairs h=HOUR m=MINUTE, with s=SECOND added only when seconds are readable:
h=2 m=57
